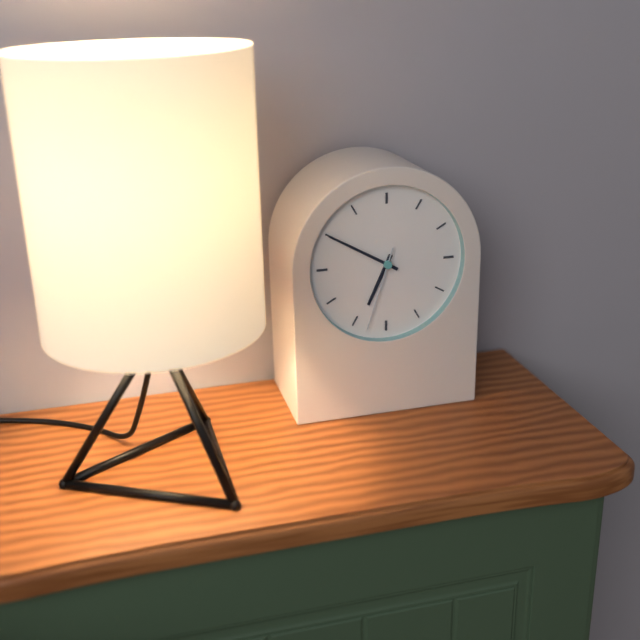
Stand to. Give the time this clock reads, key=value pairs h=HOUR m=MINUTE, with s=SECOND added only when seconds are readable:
h=6 m=50 s=33
